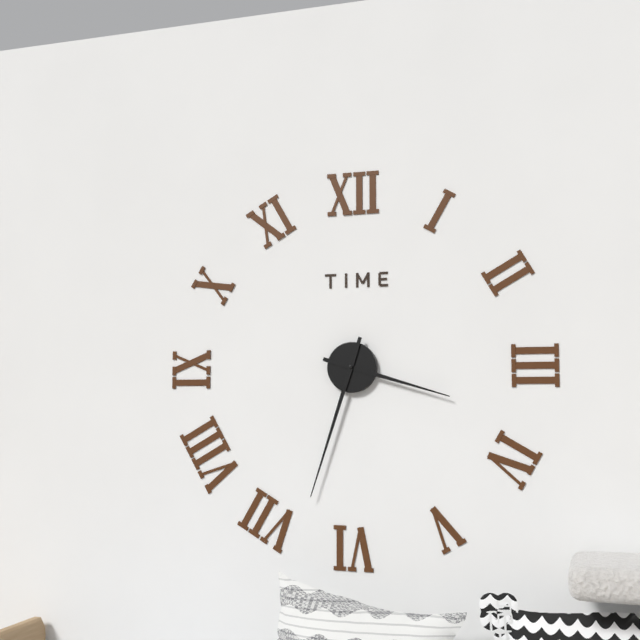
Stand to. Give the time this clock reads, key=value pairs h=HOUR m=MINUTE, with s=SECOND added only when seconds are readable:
h=3 m=33
